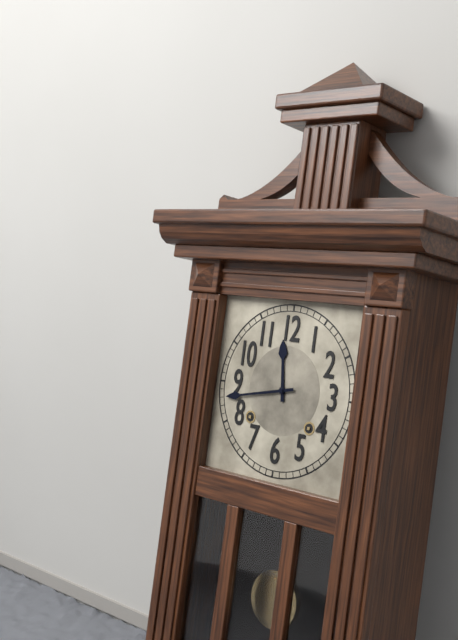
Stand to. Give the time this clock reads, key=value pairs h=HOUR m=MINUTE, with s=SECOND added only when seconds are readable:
h=11 m=43
